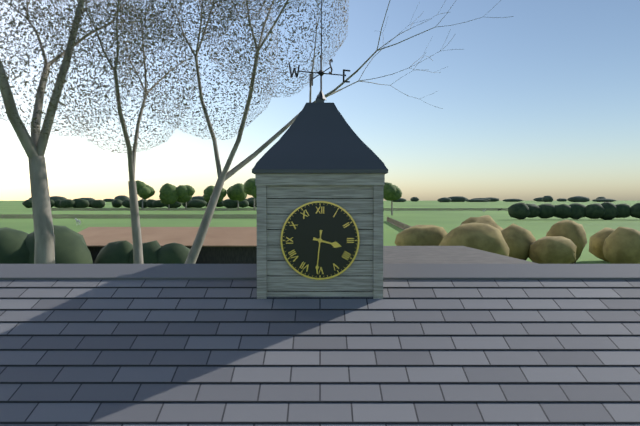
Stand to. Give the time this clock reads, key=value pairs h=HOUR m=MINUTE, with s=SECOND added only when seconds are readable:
h=3 m=31
